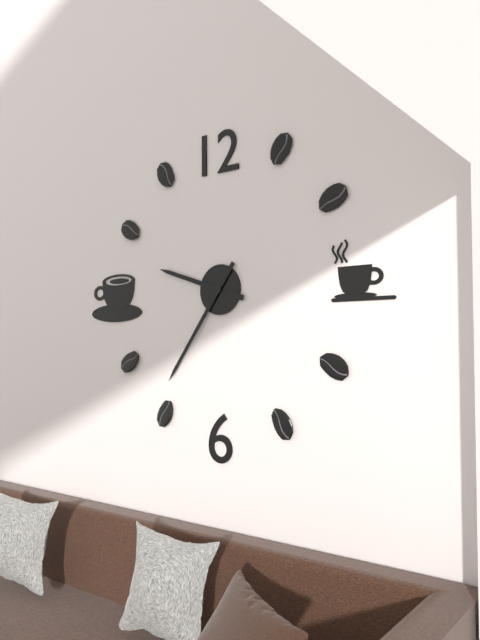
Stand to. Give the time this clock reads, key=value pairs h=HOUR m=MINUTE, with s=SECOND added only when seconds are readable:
h=9 m=36
